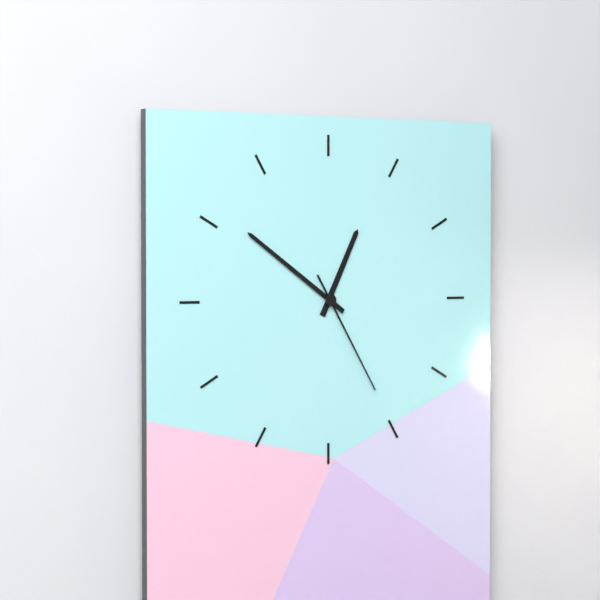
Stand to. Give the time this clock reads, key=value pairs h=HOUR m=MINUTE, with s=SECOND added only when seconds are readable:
h=12 m=51 s=25
